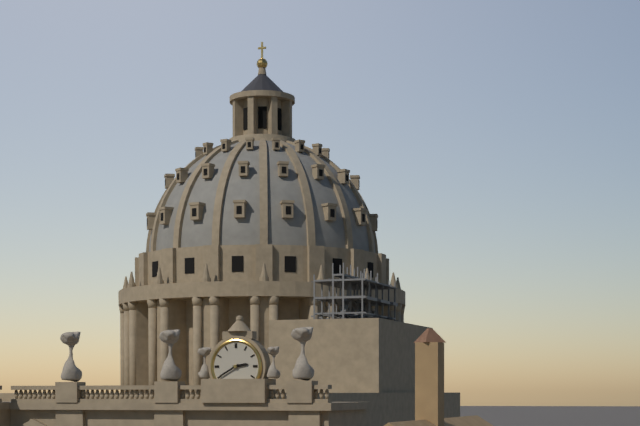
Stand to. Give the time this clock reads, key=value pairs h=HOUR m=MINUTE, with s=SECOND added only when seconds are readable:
h=2 m=40
